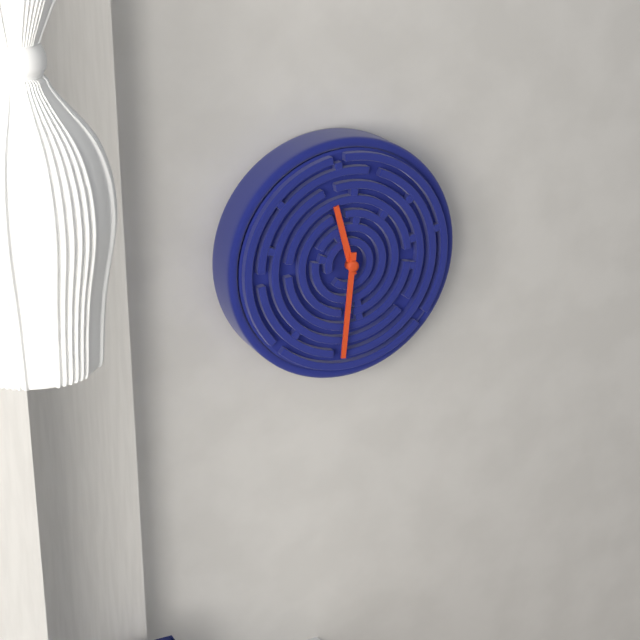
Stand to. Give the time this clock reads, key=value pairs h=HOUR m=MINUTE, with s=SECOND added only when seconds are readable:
h=11 m=31
